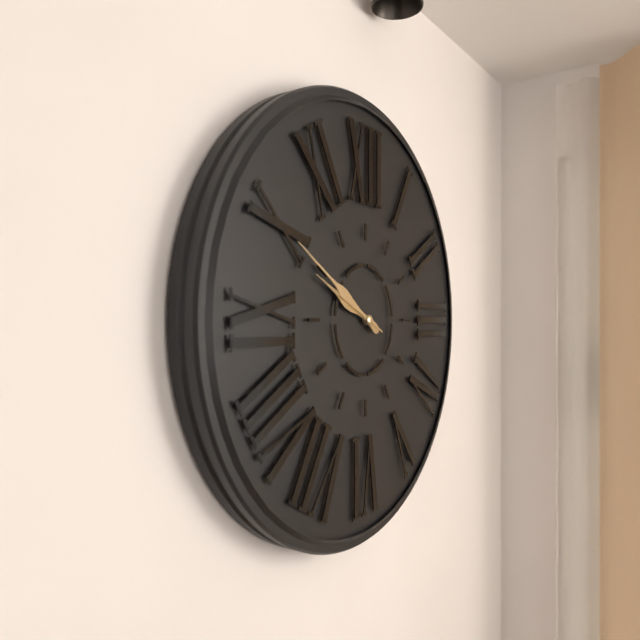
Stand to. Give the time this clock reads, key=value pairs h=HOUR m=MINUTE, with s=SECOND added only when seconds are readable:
h=9 m=50 s=49
